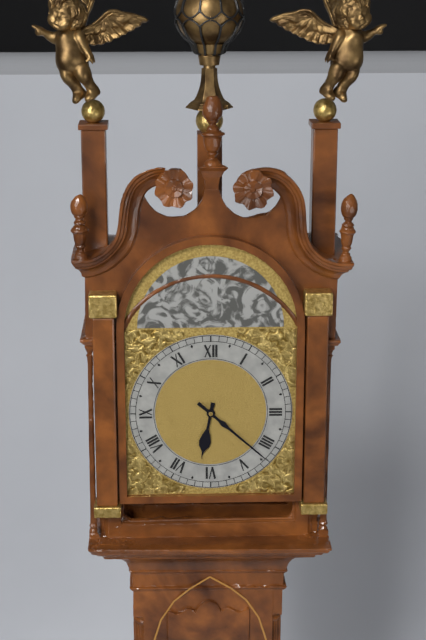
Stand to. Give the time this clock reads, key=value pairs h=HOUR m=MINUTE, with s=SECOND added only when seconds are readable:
h=6 m=22
